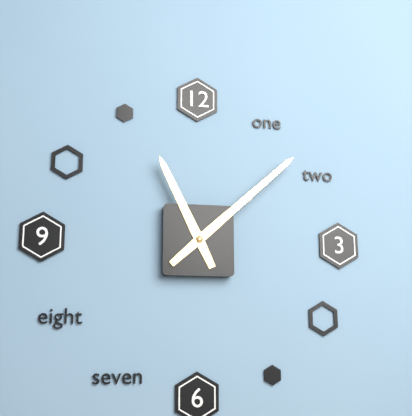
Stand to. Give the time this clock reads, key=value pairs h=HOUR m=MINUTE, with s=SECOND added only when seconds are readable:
h=11 m=8
